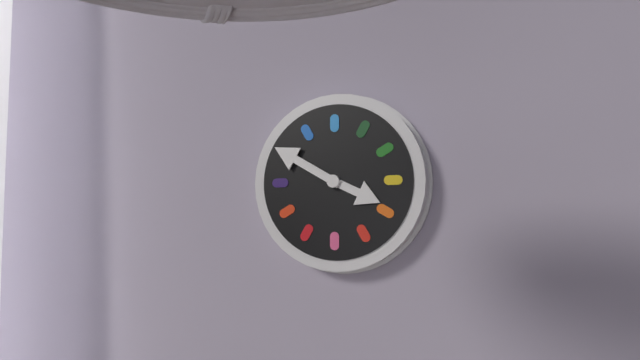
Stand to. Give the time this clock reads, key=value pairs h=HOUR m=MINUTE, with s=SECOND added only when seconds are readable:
h=3 m=50
